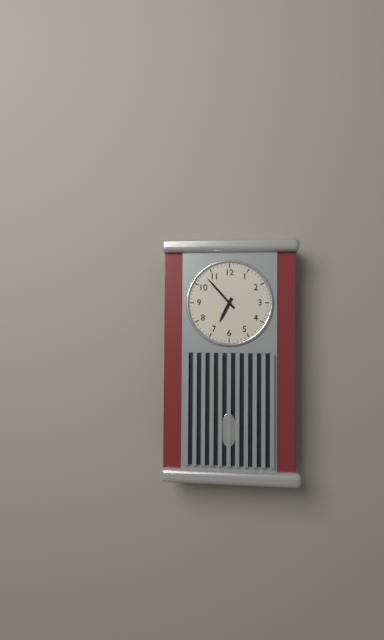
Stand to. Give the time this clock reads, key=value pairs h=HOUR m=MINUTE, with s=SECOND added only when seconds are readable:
h=6 m=53
